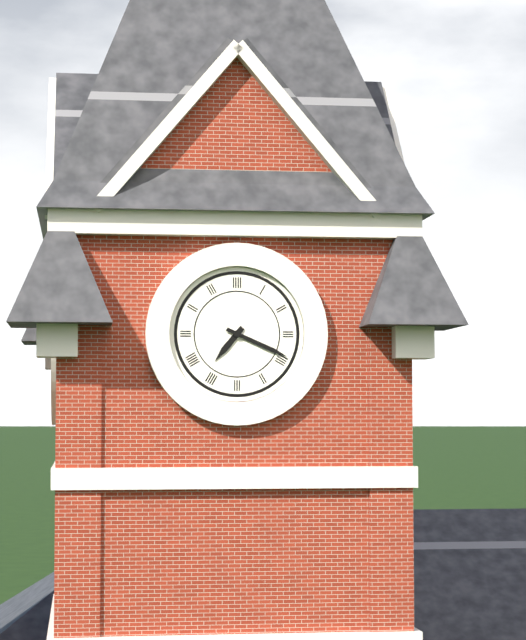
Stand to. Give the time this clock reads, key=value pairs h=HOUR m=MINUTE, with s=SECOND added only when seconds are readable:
h=7 m=19
